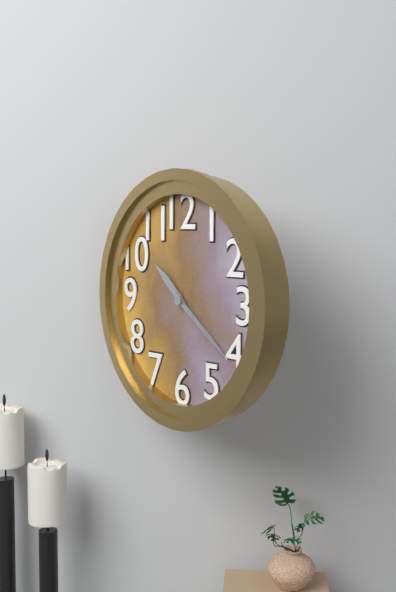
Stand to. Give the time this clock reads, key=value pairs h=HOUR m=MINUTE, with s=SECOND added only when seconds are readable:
h=10 m=21
